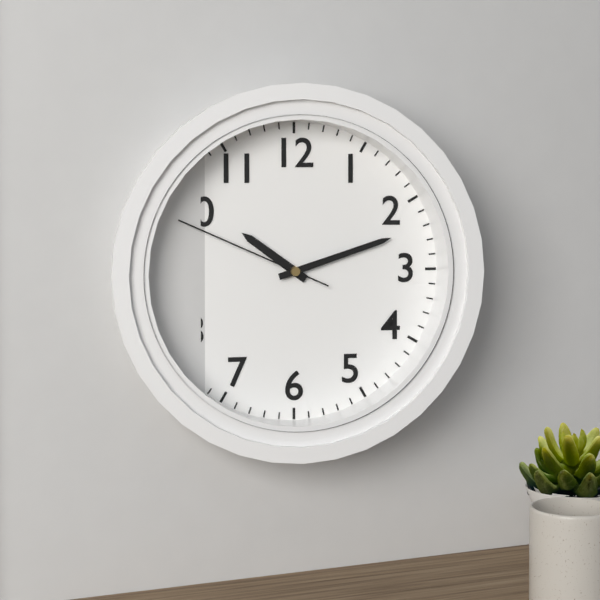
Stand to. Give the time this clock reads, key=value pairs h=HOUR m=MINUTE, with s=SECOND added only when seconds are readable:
h=10 m=12 s=49
